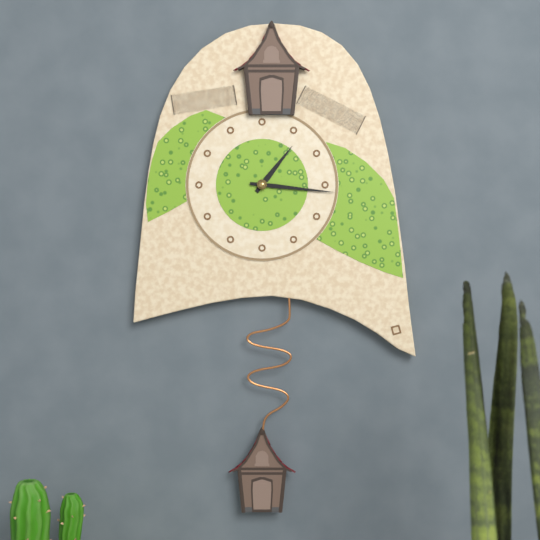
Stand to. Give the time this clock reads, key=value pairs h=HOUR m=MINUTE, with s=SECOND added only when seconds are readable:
h=1 m=16
